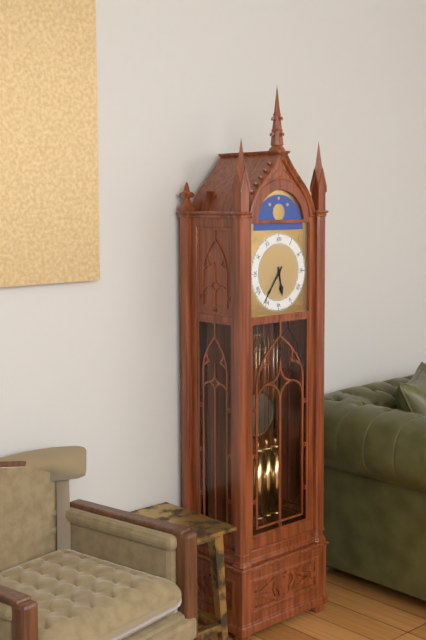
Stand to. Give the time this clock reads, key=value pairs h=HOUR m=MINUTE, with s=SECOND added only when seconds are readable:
h=5 m=36
